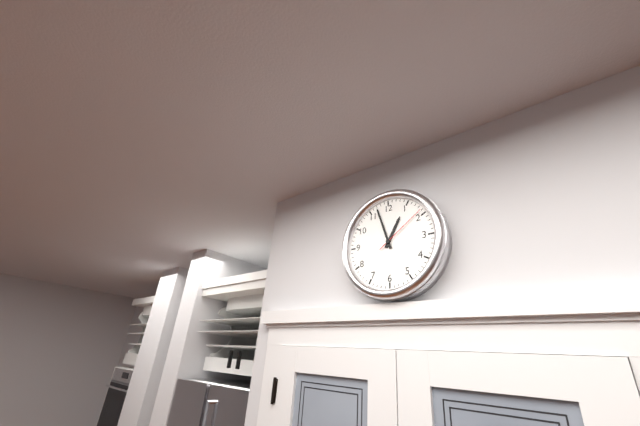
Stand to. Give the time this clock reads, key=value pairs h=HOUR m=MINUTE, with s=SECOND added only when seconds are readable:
h=12 m=57 s=9
